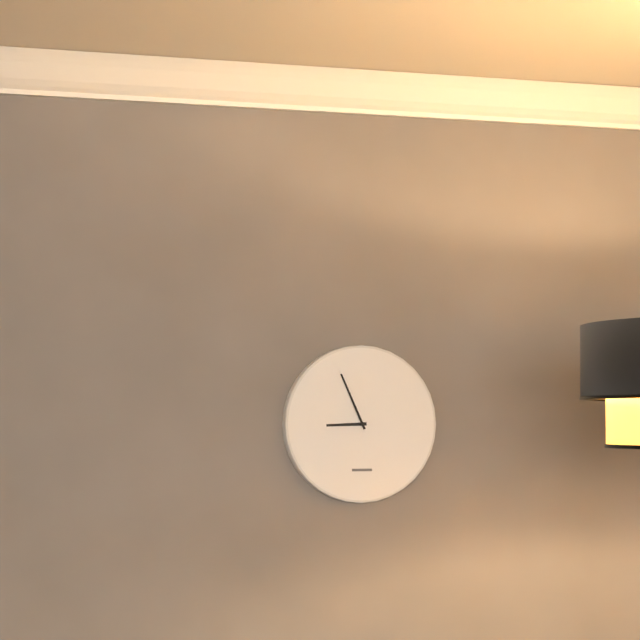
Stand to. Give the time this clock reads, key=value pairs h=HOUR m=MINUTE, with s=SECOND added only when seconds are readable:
h=8 m=56
